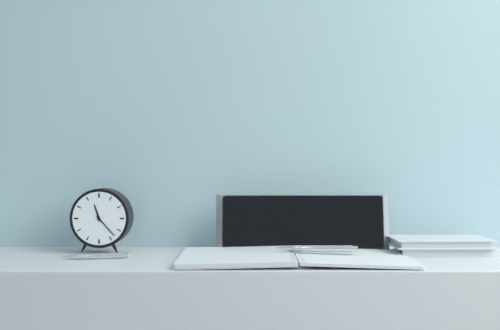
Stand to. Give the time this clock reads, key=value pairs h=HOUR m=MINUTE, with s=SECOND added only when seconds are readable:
h=11 m=23
